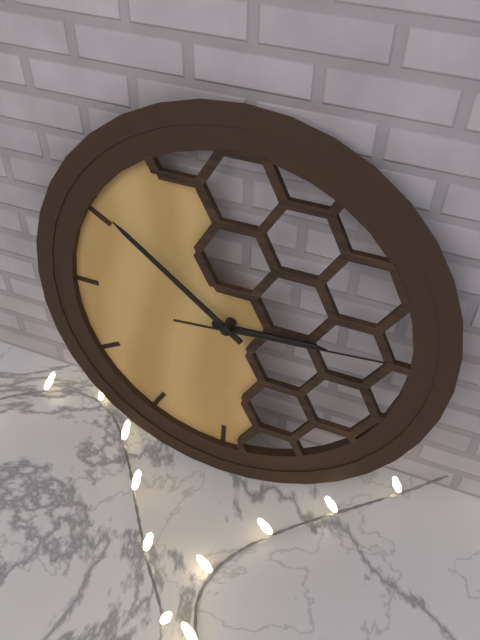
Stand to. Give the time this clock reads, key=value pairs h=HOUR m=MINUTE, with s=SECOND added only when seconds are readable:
h=2 m=51 s=14
